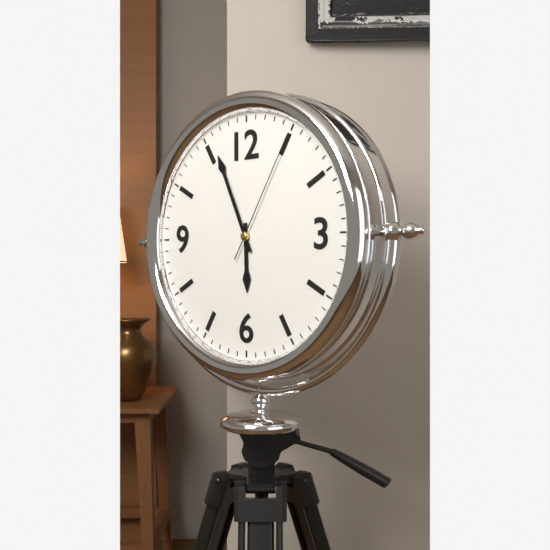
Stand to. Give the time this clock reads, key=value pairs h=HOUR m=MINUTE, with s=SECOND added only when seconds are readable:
h=5 m=56 s=5
